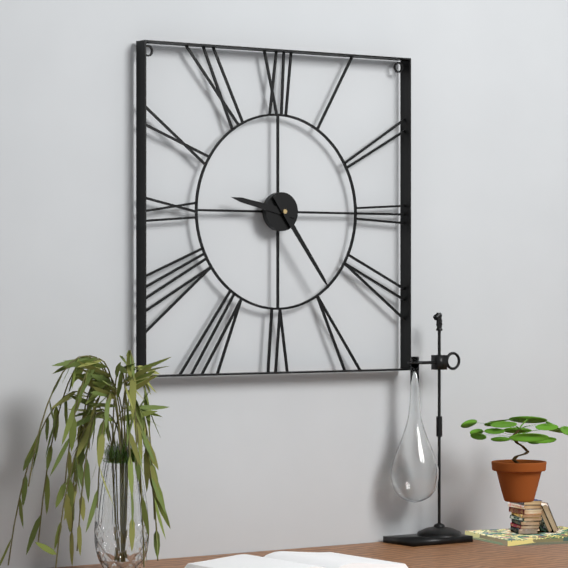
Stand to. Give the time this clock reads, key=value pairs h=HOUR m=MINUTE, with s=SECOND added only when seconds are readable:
h=9 m=24
